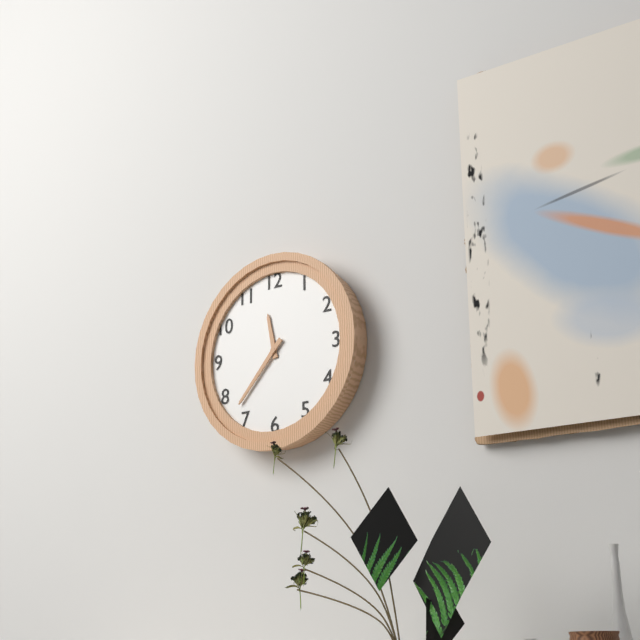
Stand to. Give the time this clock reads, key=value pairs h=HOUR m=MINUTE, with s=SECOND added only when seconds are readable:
h=11 m=37
